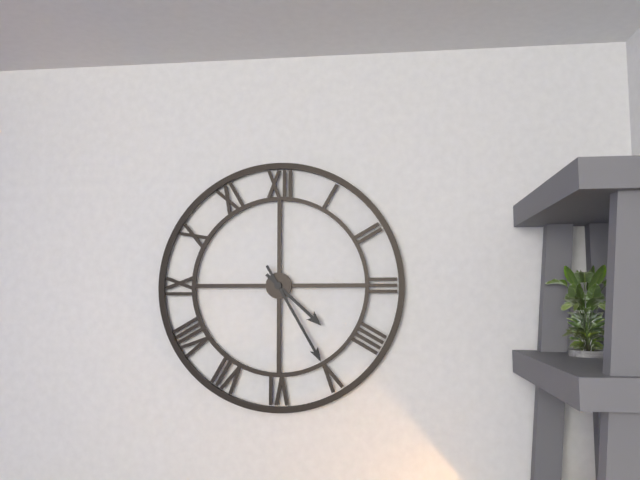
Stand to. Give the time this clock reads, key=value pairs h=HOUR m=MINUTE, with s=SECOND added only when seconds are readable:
h=4 m=25
